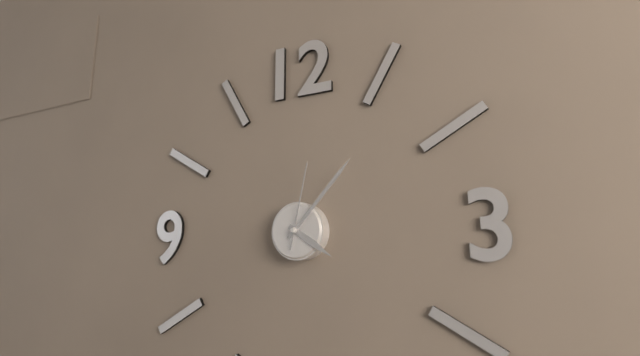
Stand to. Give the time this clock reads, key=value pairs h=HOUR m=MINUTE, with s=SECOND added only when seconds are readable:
h=4 m=7 s=2
